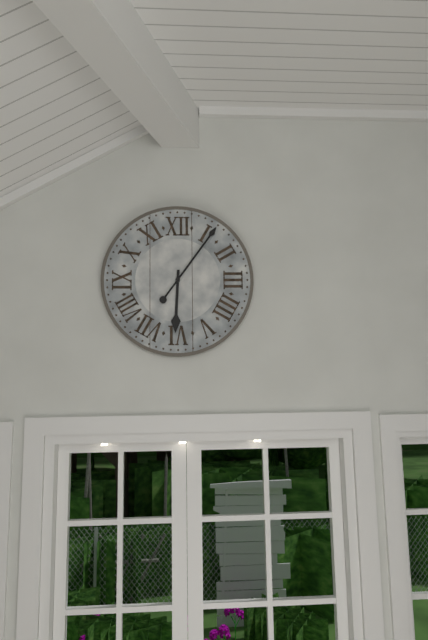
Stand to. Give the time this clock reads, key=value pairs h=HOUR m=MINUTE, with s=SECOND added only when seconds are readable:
h=6 m=6
